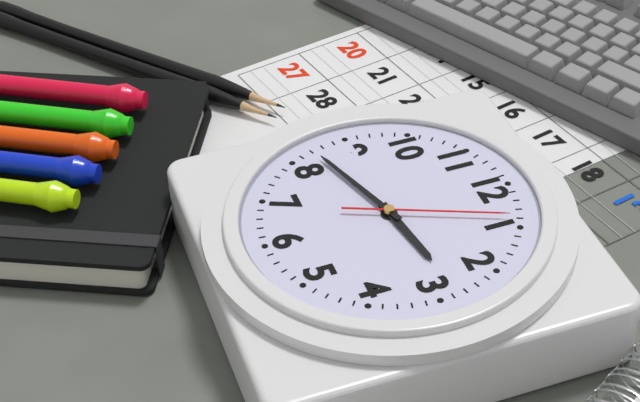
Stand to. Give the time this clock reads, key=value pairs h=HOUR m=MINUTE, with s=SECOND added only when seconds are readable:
h=2 m=42 s=4
